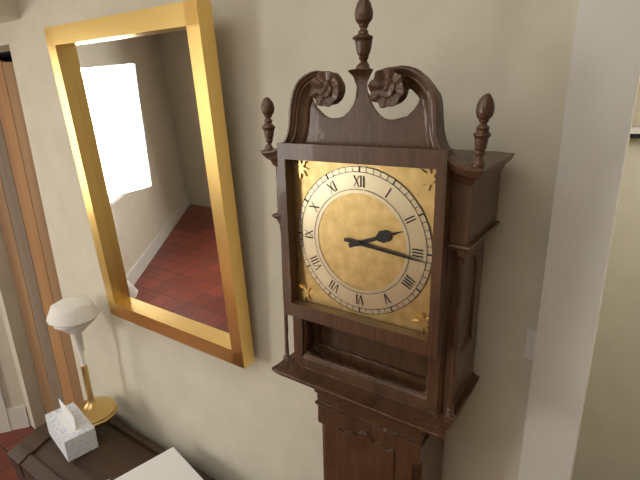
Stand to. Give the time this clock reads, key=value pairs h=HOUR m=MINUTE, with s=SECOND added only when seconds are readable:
h=2 m=16
